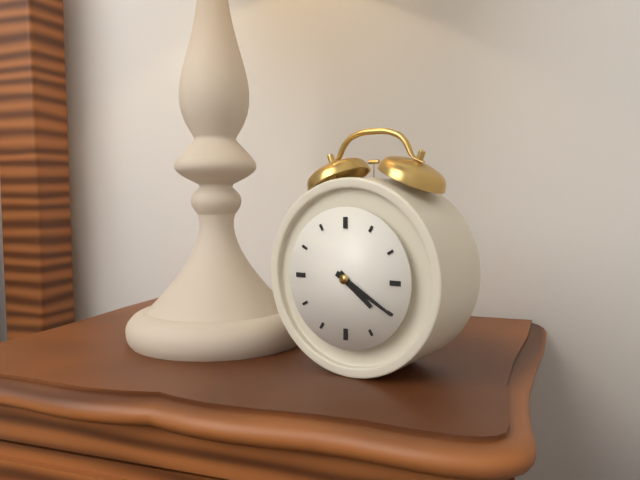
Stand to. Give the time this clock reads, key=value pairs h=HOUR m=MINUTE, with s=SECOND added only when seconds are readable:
h=4 m=20
